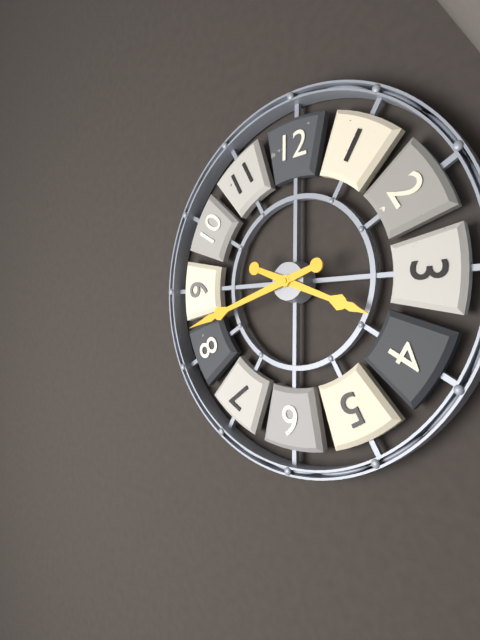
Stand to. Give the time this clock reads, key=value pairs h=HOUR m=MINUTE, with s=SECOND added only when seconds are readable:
h=3 m=42
